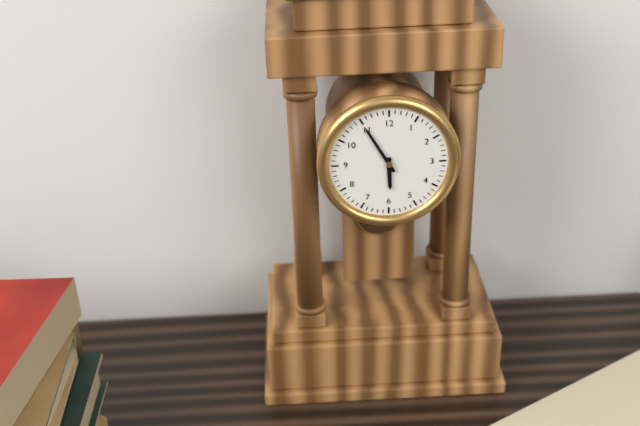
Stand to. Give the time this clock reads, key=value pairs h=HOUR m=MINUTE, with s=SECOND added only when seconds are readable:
h=5 m=55
